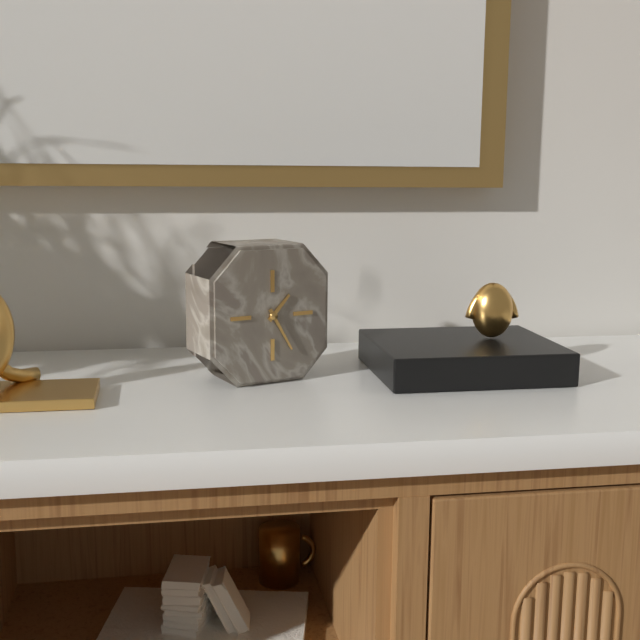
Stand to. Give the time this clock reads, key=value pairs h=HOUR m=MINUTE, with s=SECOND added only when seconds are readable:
h=1 m=25
